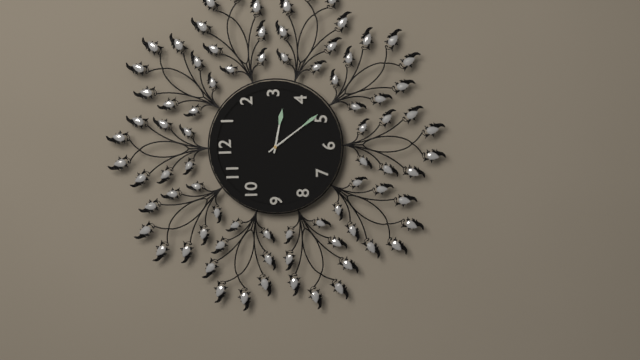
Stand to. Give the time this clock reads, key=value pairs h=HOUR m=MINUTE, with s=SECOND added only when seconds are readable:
h=3 m=24
